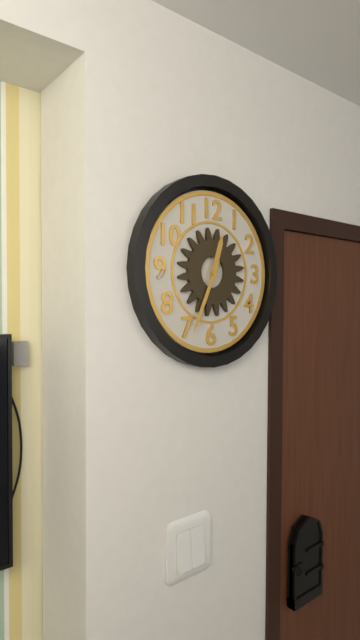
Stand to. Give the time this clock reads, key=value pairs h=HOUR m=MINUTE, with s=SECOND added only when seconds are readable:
h=12 m=34
